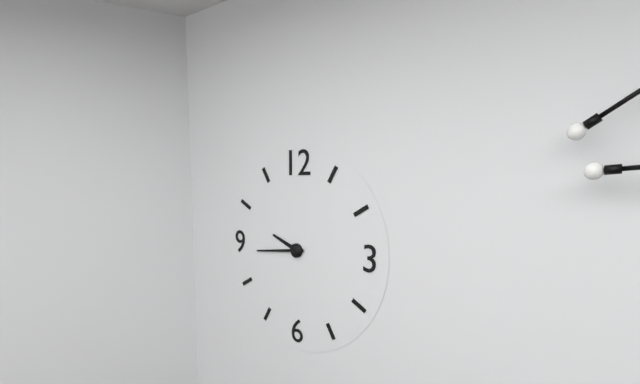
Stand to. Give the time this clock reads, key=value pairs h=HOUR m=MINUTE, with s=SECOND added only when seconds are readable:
h=9 m=44
